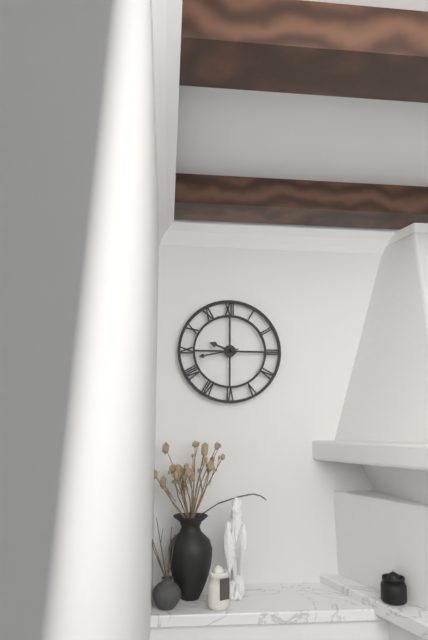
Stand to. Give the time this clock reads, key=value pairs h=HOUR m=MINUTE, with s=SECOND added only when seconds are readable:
h=9 m=43
